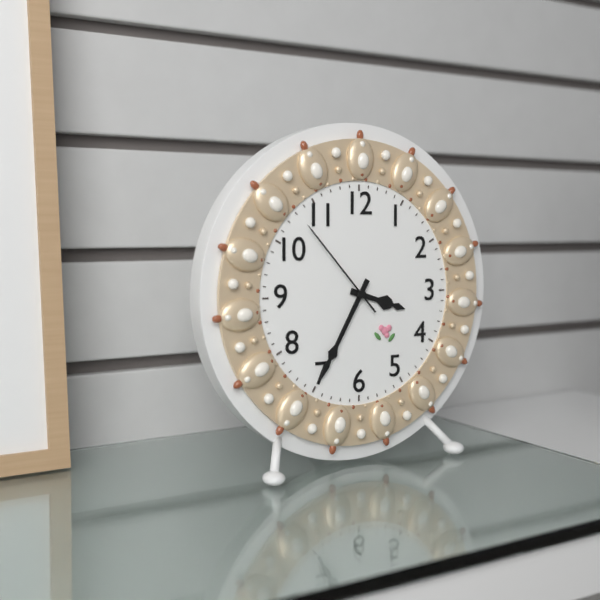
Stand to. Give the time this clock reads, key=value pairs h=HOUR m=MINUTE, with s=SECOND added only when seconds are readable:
h=3 m=35 s=53
